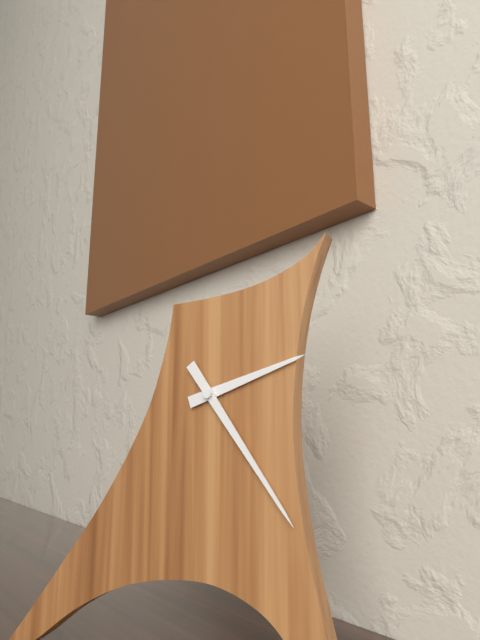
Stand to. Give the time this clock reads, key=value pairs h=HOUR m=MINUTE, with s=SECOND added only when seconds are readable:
h=2 m=24
